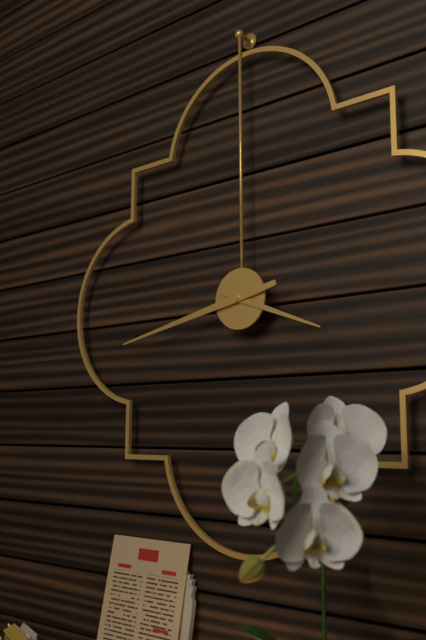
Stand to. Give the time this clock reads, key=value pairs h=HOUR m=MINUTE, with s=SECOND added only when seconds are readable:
h=3 m=43
